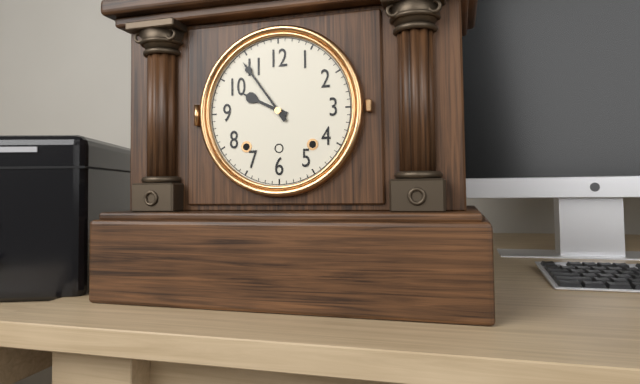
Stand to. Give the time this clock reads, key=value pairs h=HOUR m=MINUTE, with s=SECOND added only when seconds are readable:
h=9 m=54
